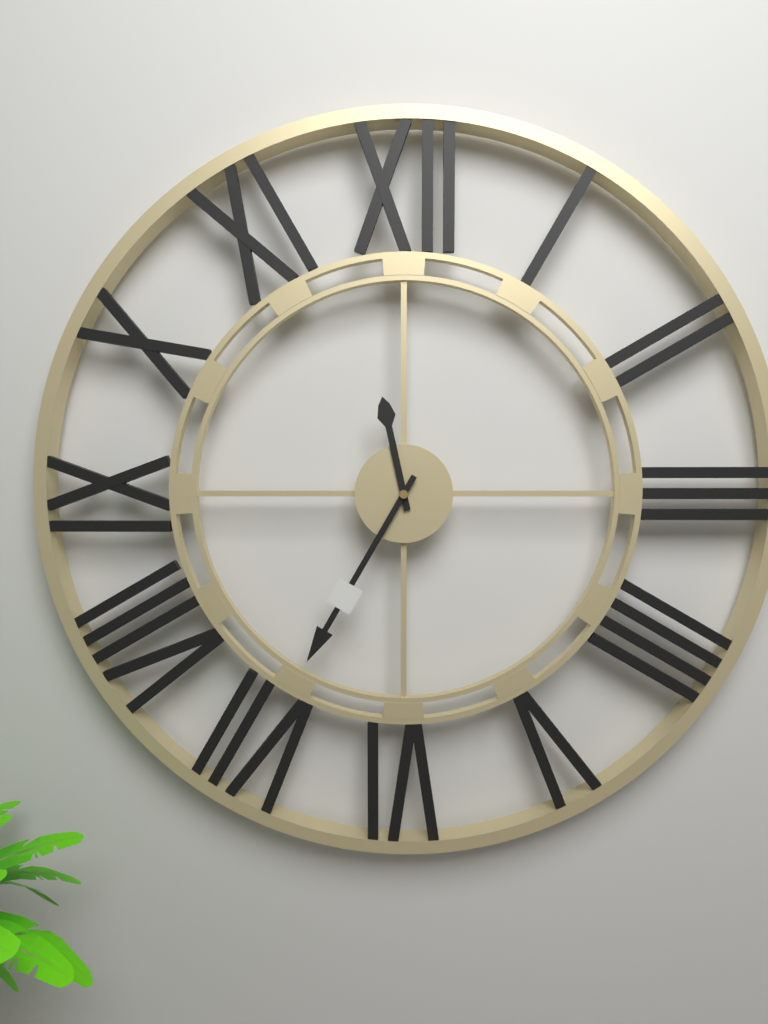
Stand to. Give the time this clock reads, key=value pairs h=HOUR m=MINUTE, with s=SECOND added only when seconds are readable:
h=11 m=35
